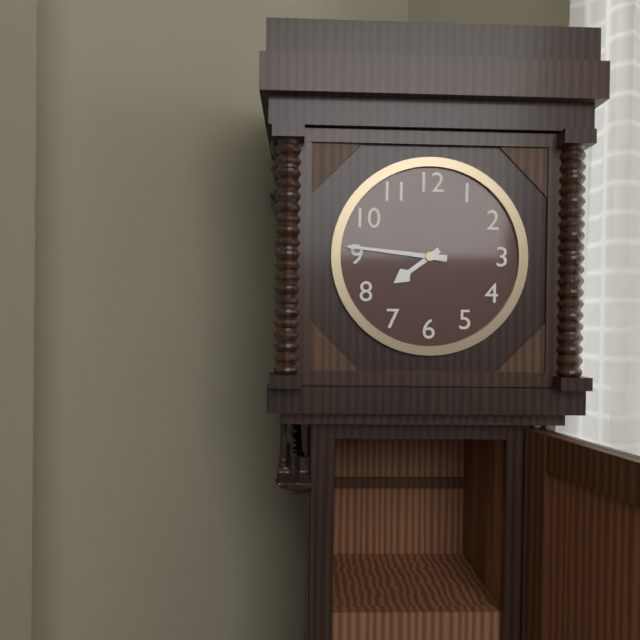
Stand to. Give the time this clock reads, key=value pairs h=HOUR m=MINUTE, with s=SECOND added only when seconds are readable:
h=7 m=46
